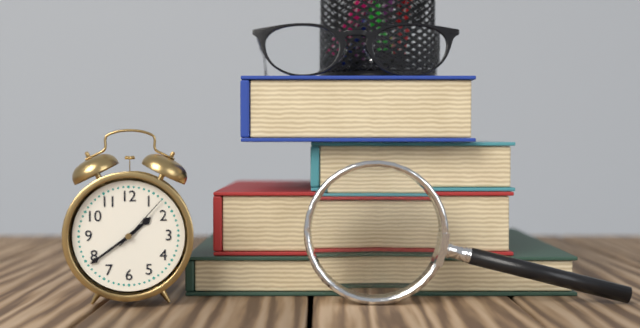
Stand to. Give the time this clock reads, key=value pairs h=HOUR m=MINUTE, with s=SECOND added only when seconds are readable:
h=1 m=39 s=7
